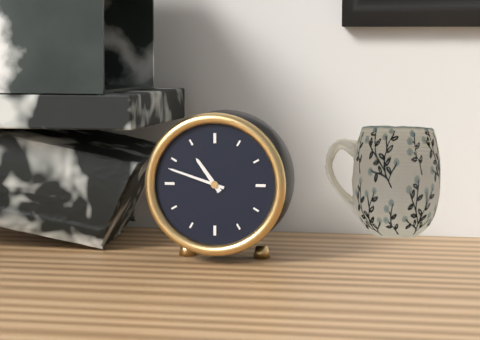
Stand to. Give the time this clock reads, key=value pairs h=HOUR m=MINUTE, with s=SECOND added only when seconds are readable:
h=10 m=48
